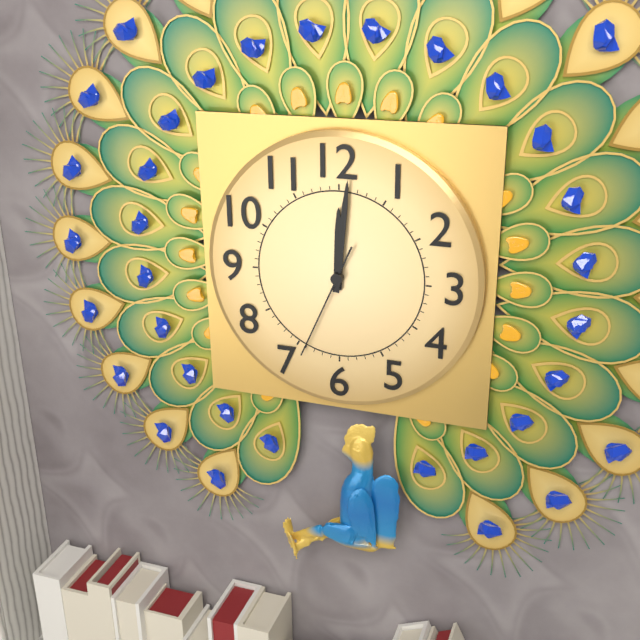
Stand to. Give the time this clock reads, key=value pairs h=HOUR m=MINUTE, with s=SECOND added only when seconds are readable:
h=12 m=1 s=34
